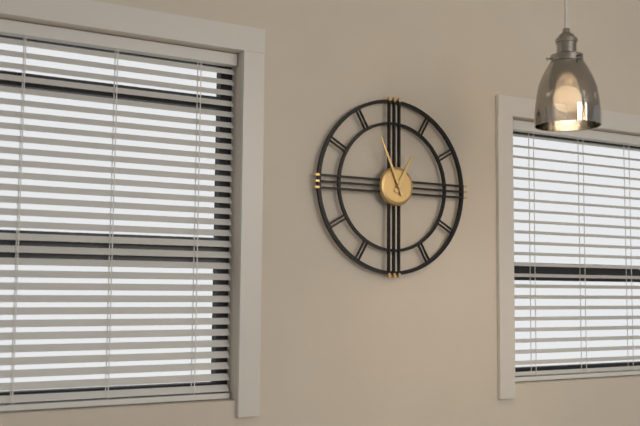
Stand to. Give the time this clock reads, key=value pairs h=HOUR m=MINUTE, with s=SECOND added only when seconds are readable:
h=12 m=56
